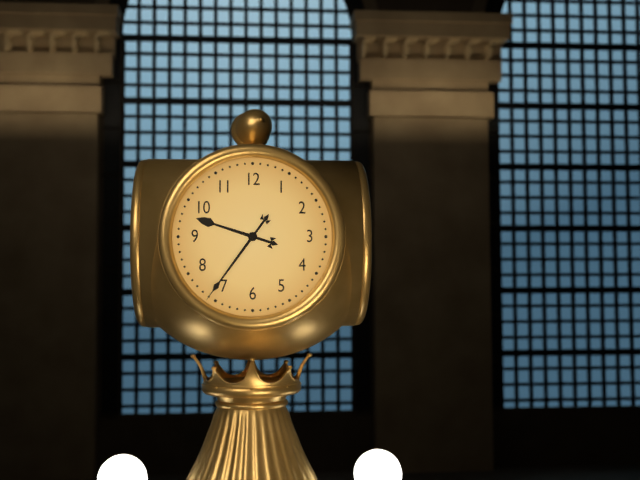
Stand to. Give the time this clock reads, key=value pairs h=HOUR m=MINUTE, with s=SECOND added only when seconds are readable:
h=9 m=36
